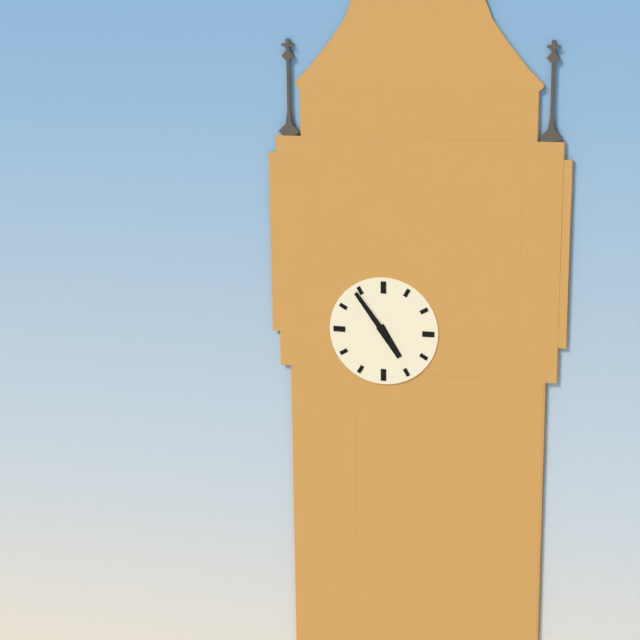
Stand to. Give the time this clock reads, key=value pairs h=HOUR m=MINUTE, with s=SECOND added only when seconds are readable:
h=4 m=54
